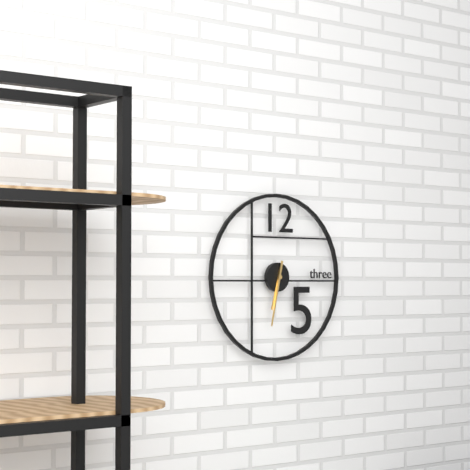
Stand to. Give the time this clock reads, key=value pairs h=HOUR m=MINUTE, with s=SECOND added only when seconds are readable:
h=6 m=32
